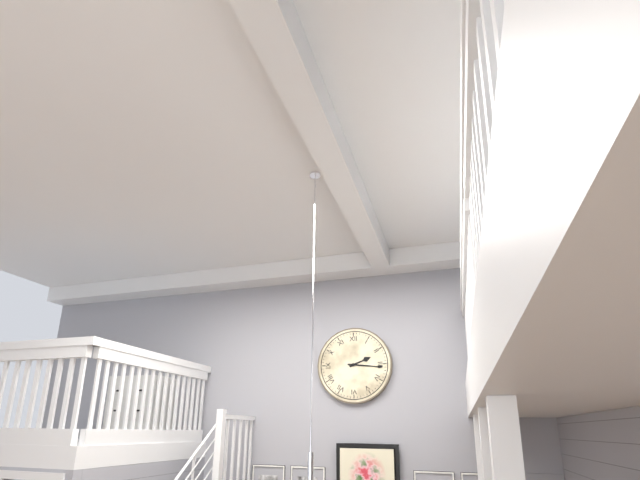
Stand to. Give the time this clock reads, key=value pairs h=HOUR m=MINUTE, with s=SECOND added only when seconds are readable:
h=2 m=16
